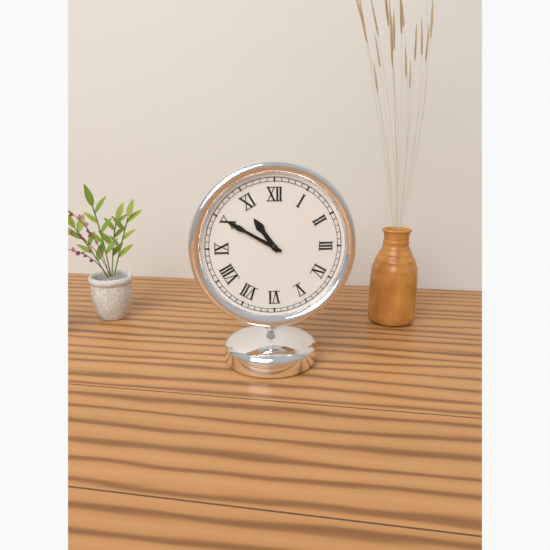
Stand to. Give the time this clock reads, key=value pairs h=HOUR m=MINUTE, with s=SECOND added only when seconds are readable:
h=10 m=50
